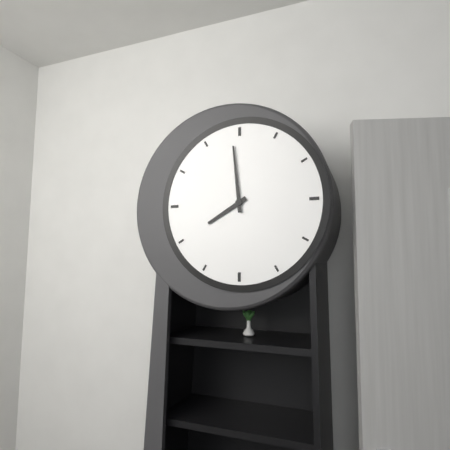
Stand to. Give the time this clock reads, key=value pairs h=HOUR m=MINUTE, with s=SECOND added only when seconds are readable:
h=7 m=59
